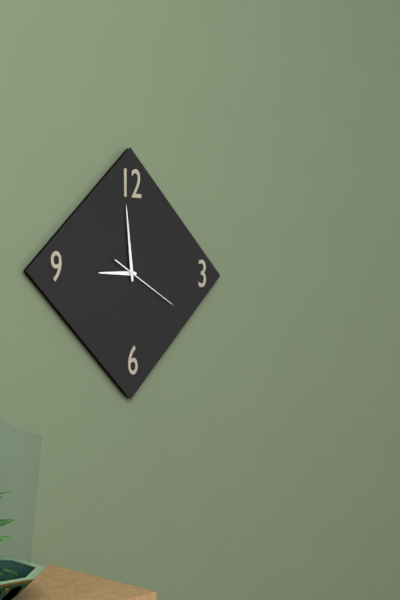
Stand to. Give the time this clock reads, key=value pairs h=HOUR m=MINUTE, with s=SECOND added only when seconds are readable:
h=8 m=59 s=20
